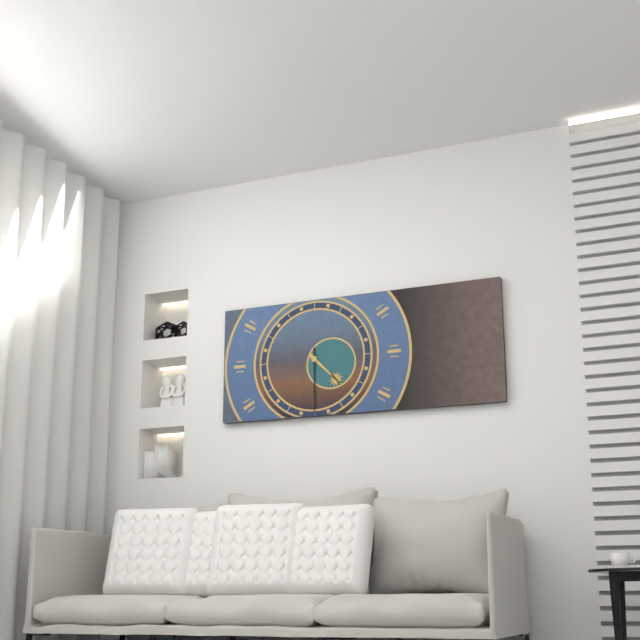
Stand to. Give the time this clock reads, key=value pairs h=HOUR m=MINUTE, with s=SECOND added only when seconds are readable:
h=4 m=30
